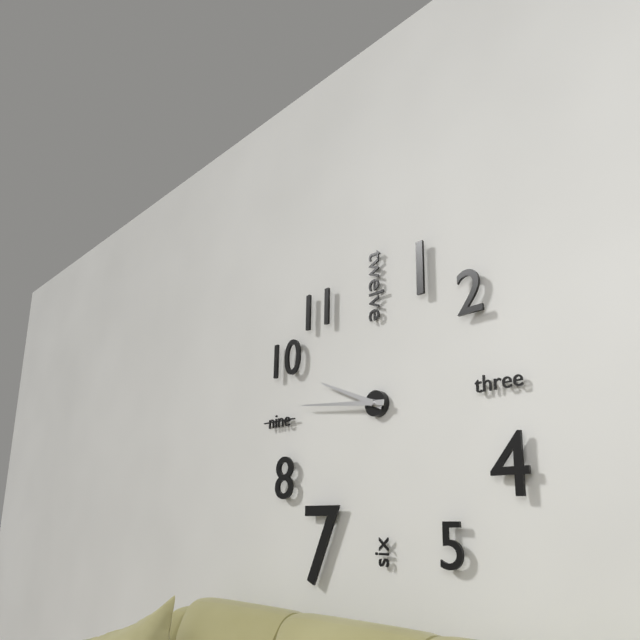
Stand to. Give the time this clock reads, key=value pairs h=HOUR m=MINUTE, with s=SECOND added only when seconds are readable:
h=9 m=46
